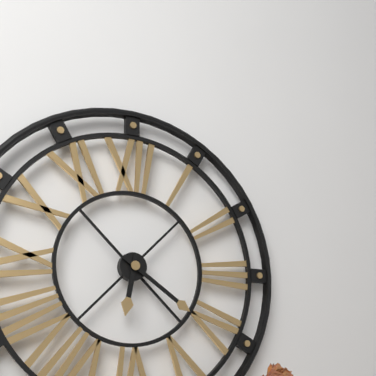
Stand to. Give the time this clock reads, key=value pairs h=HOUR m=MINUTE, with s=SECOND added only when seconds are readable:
h=6 m=21
